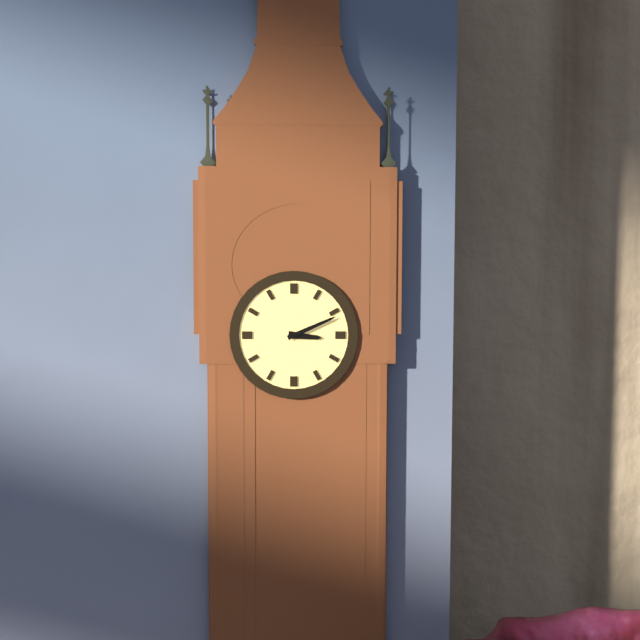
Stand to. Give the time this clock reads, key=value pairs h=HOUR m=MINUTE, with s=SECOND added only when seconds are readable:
h=3 m=11
